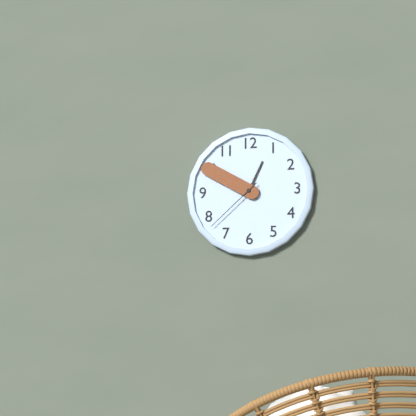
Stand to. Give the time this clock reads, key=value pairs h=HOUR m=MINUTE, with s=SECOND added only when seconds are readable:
h=12 m=50 s=38
